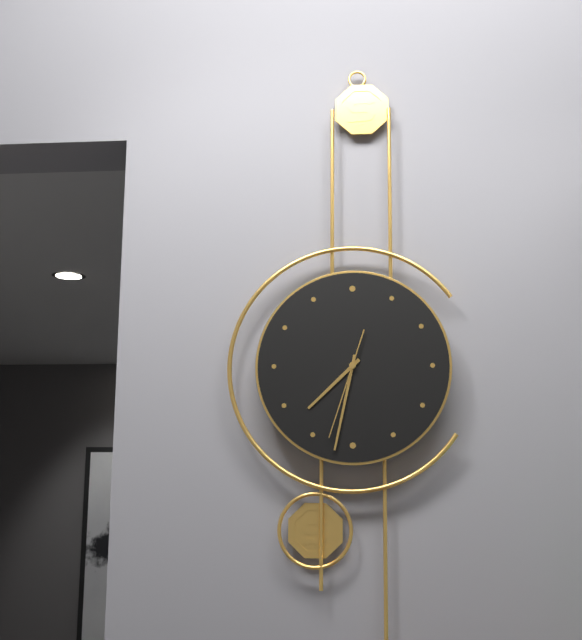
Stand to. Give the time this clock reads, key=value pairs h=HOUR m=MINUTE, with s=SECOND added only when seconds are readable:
h=7 m=32 s=33
